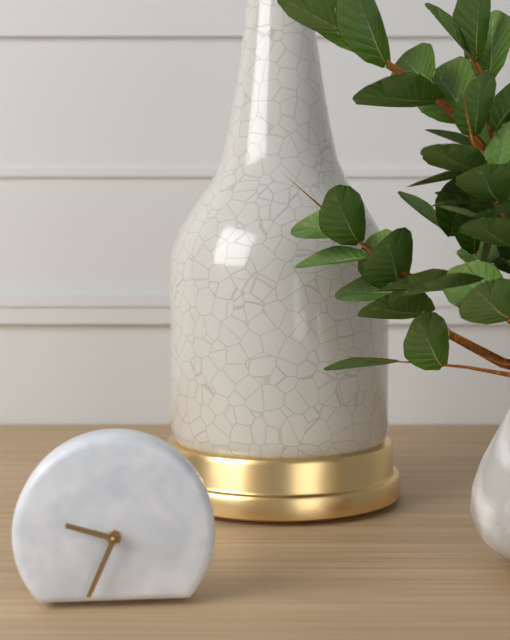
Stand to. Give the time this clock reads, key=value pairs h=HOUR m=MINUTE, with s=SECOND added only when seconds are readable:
h=9 m=34
